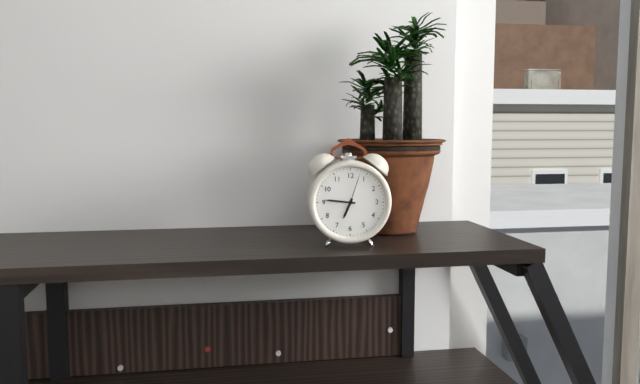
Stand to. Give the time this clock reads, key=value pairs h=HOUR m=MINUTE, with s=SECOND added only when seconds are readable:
h=6 m=46
